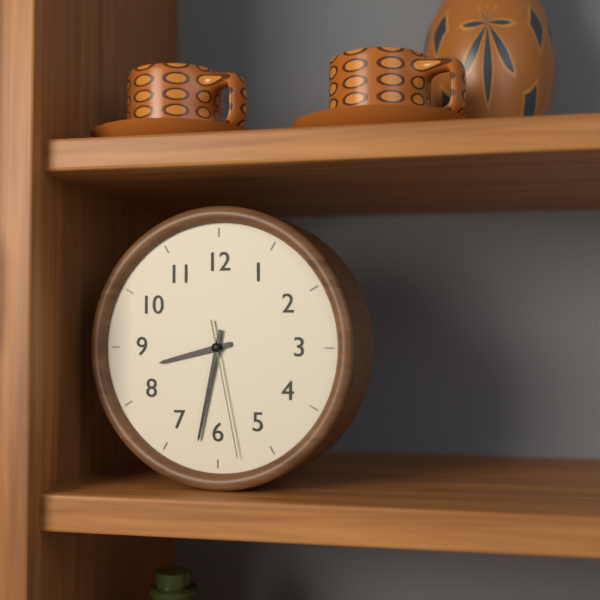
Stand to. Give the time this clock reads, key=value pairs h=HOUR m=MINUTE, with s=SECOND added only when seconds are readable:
h=8 m=32 s=28
